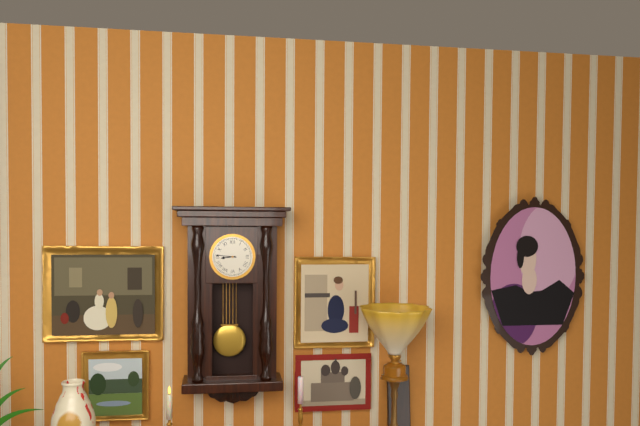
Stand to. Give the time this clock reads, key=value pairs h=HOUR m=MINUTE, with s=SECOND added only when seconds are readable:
h=8 m=46
